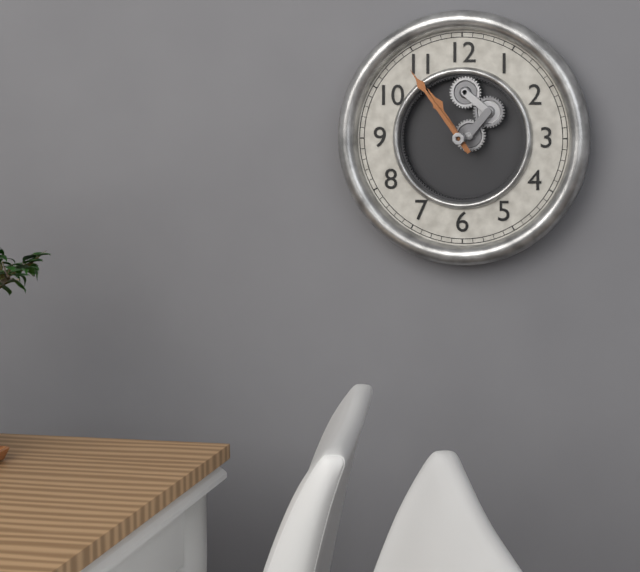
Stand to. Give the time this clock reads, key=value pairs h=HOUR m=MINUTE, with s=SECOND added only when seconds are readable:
h=10 m=54
